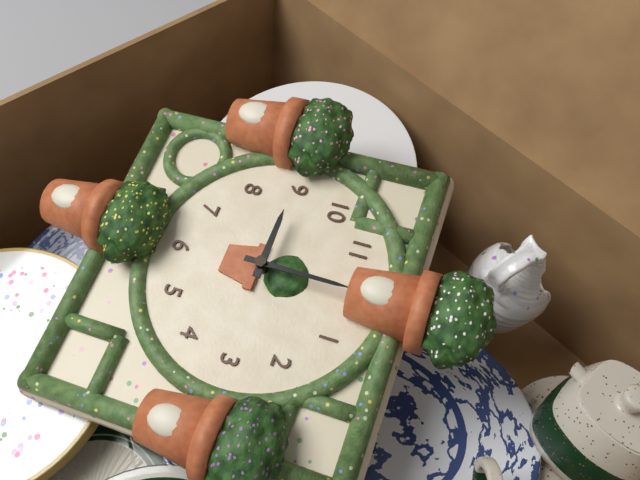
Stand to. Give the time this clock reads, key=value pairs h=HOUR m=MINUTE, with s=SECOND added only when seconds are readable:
h=9 m=0
